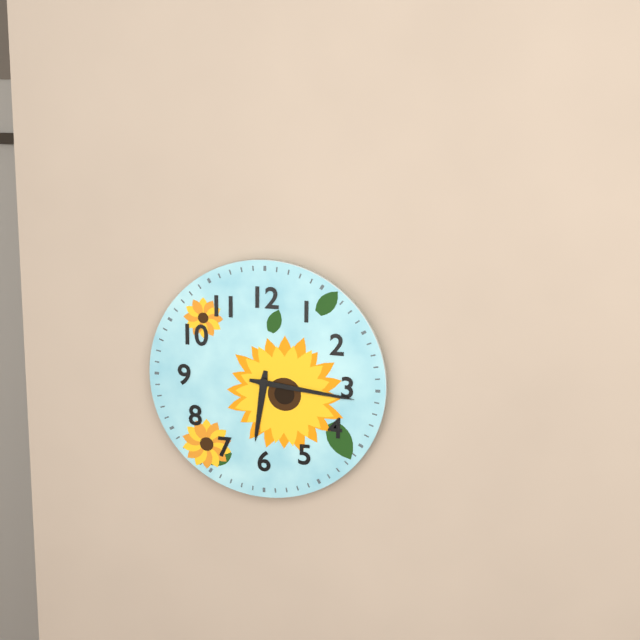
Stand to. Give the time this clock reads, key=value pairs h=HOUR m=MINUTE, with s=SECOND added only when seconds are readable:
h=6 m=16
